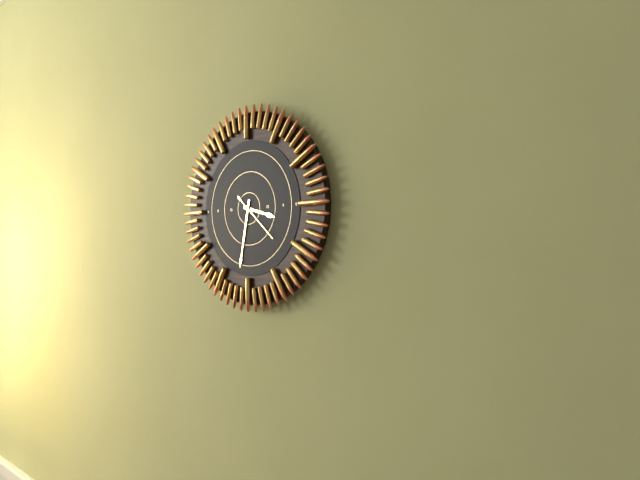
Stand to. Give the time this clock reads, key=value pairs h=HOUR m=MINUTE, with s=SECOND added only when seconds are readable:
h=3 m=32
